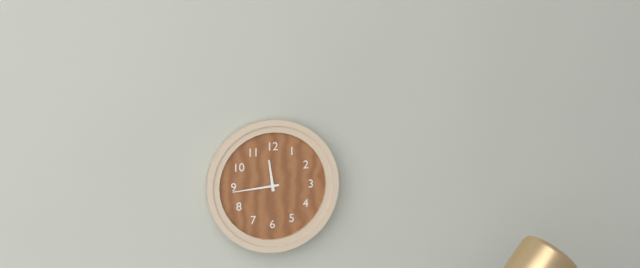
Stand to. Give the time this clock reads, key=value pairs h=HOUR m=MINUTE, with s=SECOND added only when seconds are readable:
h=11 m=44
